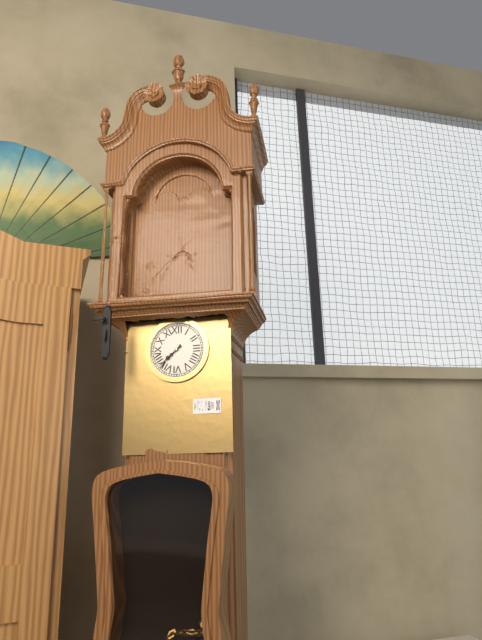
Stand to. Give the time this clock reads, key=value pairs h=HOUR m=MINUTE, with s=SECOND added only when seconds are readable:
h=7 m=38
